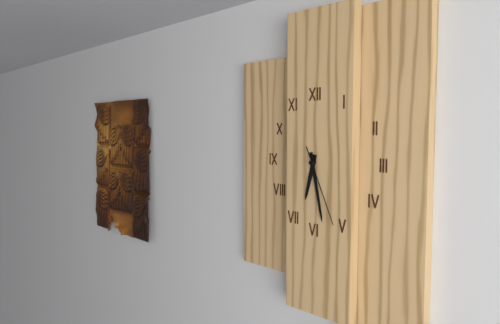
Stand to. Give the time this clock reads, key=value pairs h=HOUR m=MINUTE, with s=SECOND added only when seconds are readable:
h=6 m=28 s=26
